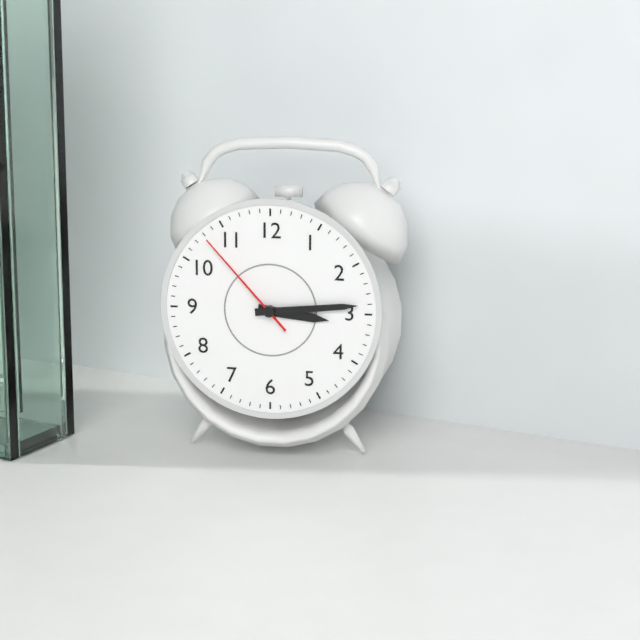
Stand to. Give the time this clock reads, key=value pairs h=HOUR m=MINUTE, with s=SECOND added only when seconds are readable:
h=3 m=14 s=53
